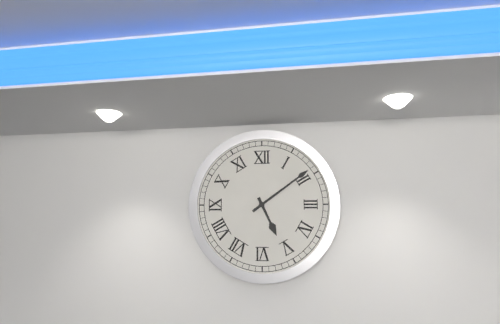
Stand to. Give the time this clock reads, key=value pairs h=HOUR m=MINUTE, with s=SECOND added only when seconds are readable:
h=5 m=9
